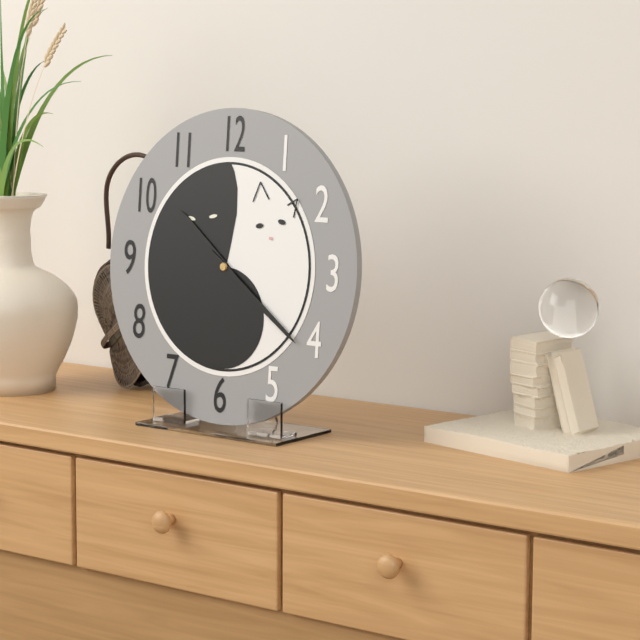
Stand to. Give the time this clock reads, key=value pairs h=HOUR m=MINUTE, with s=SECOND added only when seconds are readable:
h=10 m=21
